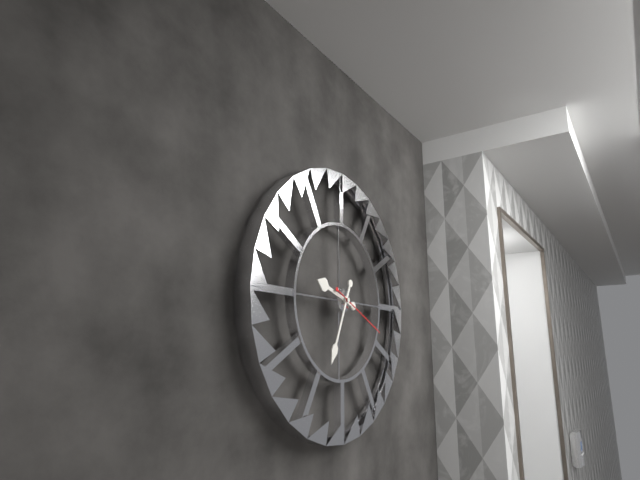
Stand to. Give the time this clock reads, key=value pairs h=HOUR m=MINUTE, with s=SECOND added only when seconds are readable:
h=9 m=34 s=19
